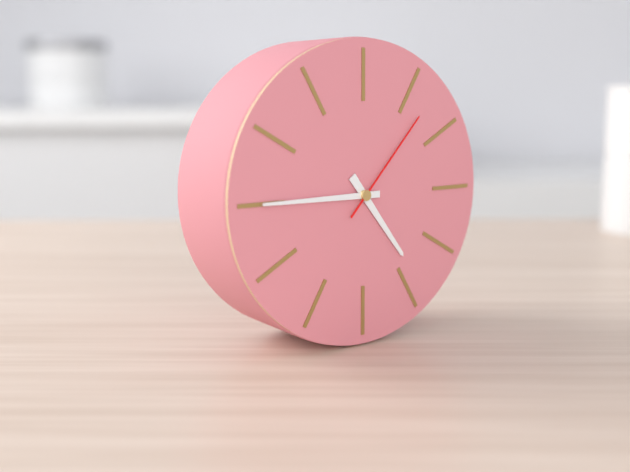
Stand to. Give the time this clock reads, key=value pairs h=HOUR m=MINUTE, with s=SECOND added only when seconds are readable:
h=4 m=45 s=7
